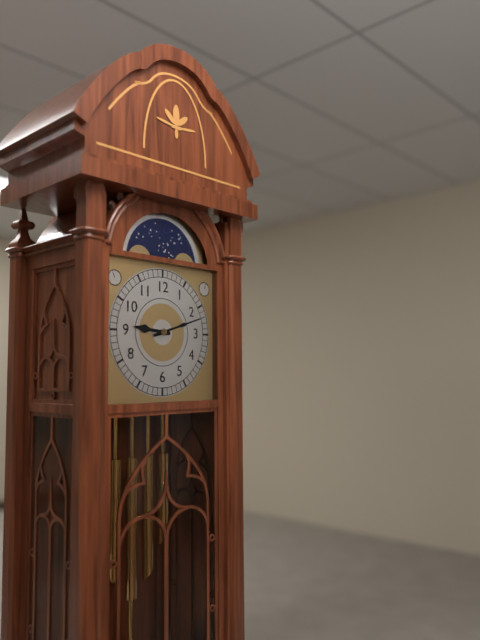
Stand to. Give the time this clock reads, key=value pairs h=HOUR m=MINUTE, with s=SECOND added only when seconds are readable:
h=9 m=12
